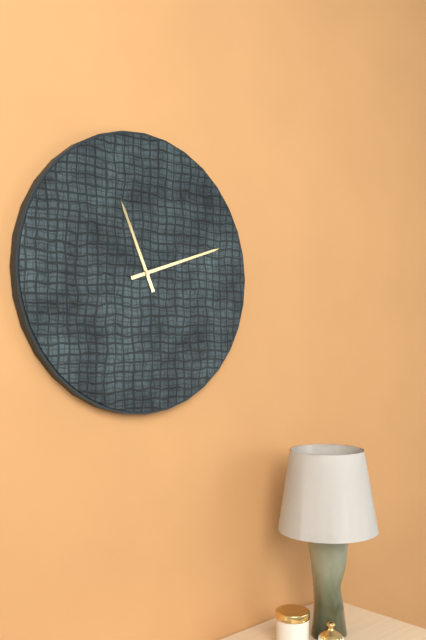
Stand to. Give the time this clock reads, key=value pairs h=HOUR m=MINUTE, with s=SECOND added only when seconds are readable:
h=11 m=12
